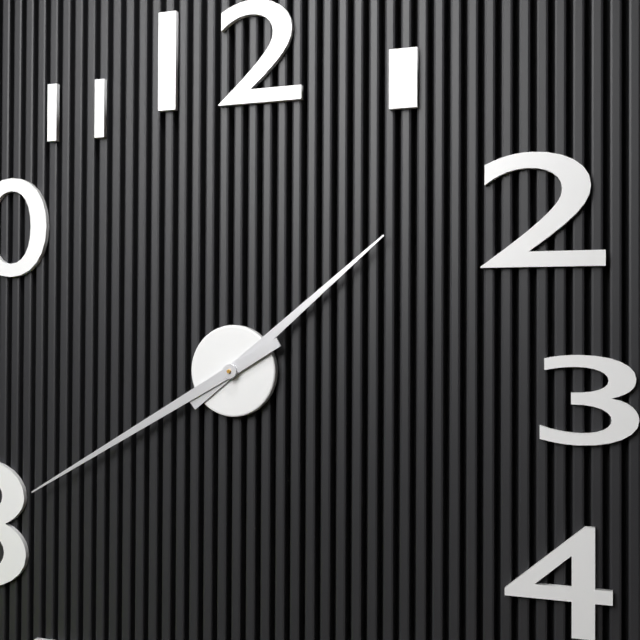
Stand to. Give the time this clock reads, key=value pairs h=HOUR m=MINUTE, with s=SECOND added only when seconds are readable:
h=1 m=40
